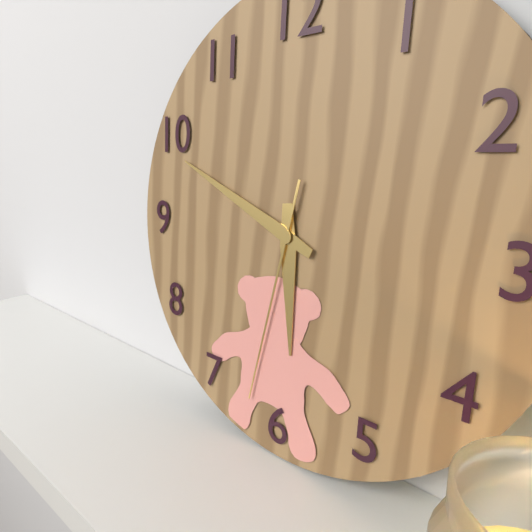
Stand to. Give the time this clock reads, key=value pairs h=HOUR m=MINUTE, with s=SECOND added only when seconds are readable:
h=5 m=49 s=32
